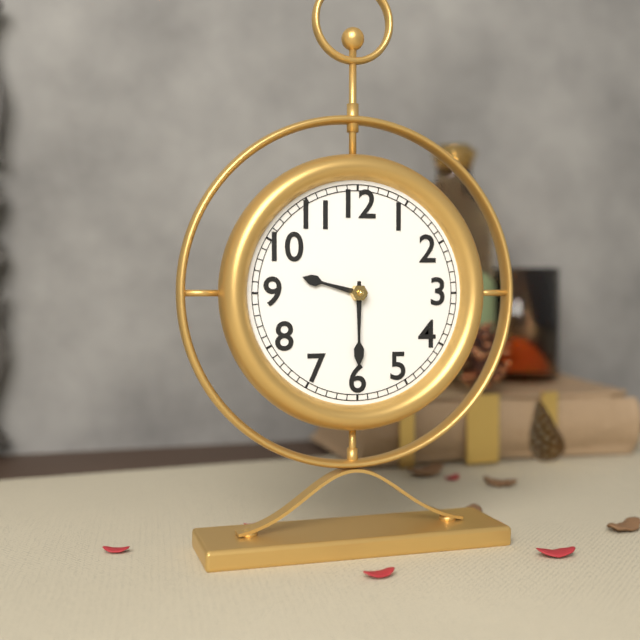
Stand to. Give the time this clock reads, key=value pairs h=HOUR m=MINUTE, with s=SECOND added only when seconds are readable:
h=9 m=30
